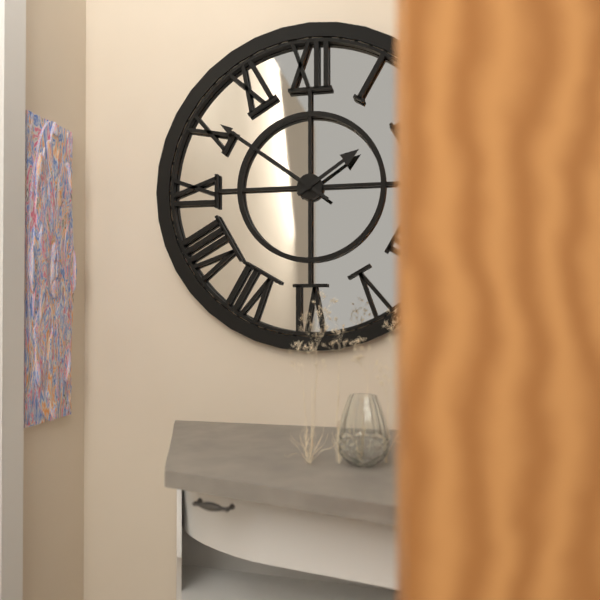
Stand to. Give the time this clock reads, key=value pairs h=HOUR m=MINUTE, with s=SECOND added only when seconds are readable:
h=1 m=51
